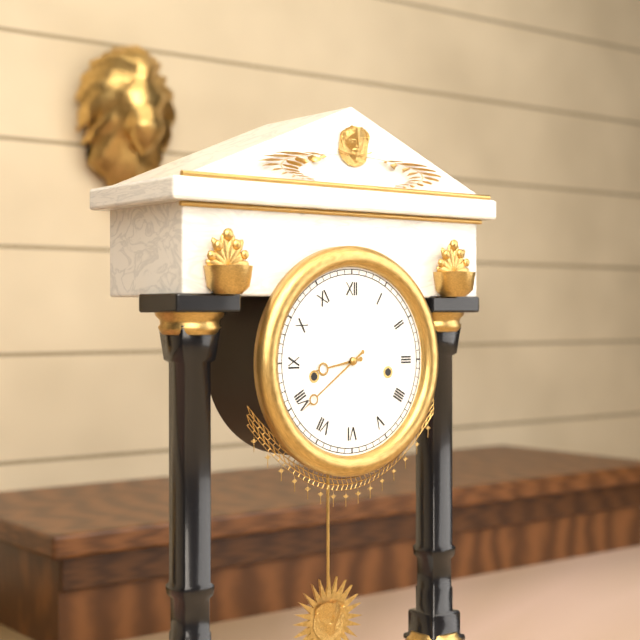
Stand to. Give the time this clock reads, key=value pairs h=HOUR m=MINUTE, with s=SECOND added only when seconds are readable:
h=8 m=39
